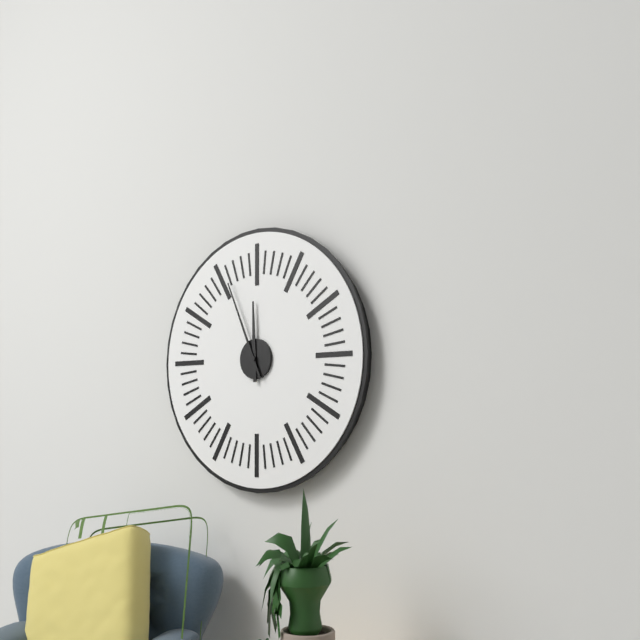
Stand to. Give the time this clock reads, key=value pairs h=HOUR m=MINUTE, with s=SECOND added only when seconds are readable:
h=11 m=56
